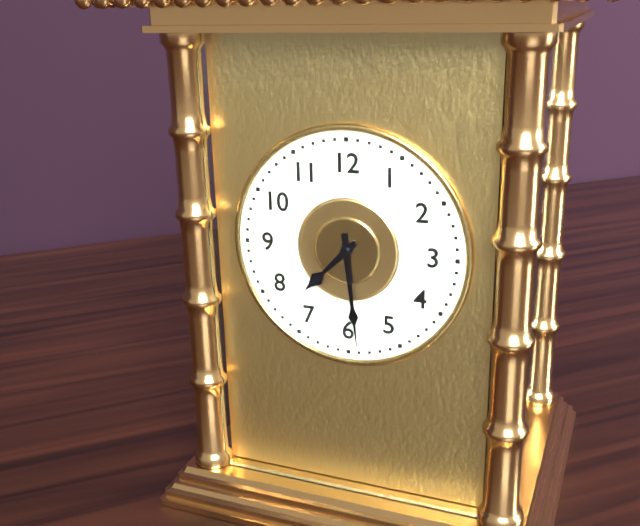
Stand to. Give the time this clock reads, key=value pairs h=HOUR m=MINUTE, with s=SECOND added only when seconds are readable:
h=7 m=29
